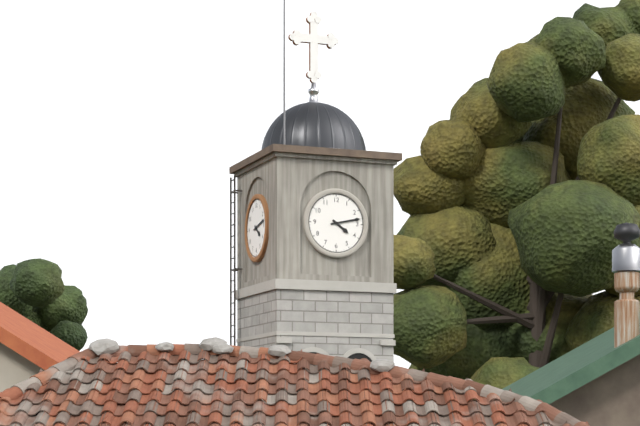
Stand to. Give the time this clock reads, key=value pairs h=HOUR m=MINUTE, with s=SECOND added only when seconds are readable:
h=4 m=13
